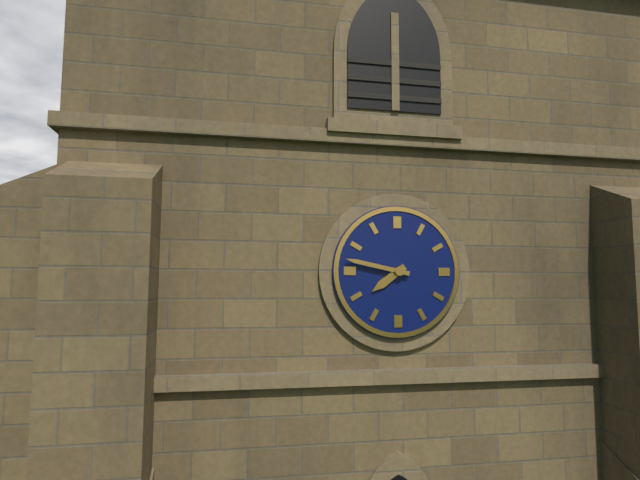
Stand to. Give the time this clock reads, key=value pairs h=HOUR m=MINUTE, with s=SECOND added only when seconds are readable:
h=7 m=47
